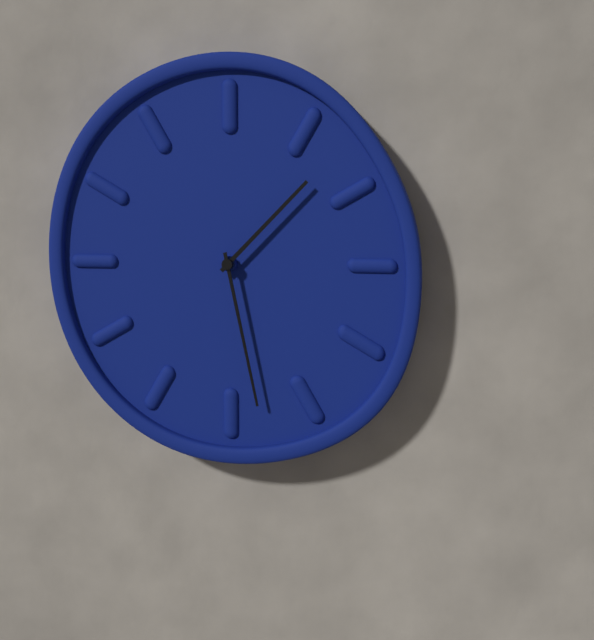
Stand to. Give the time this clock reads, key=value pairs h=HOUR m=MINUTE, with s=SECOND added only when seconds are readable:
h=1 m=28
